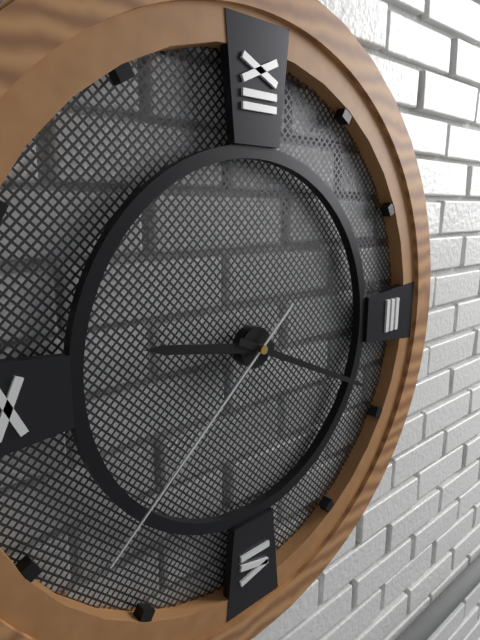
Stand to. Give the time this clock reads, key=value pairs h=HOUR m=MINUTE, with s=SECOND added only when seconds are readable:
h=9 m=19 s=38
